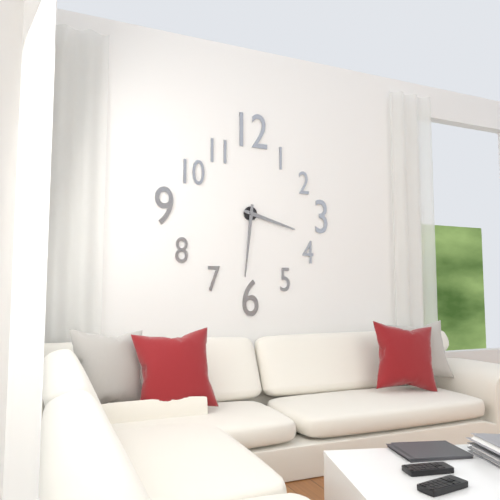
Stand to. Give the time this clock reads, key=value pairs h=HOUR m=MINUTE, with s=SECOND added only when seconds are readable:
h=3 m=31
